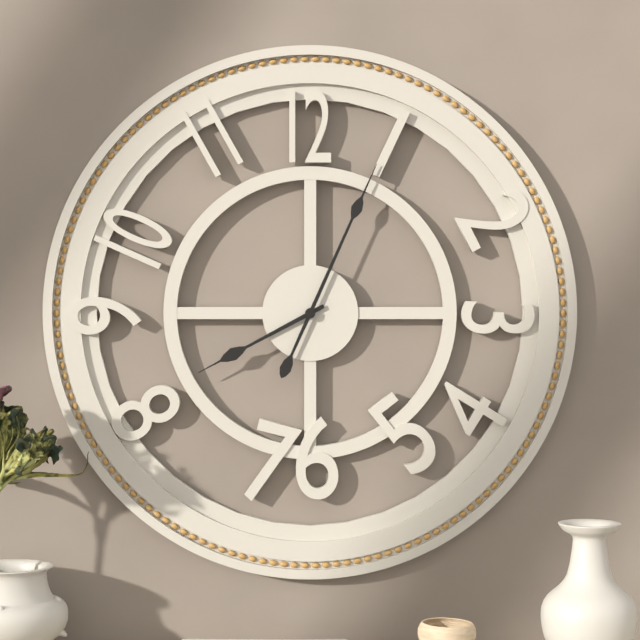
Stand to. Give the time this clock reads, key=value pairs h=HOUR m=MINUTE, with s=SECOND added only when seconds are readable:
h=8 m=4
